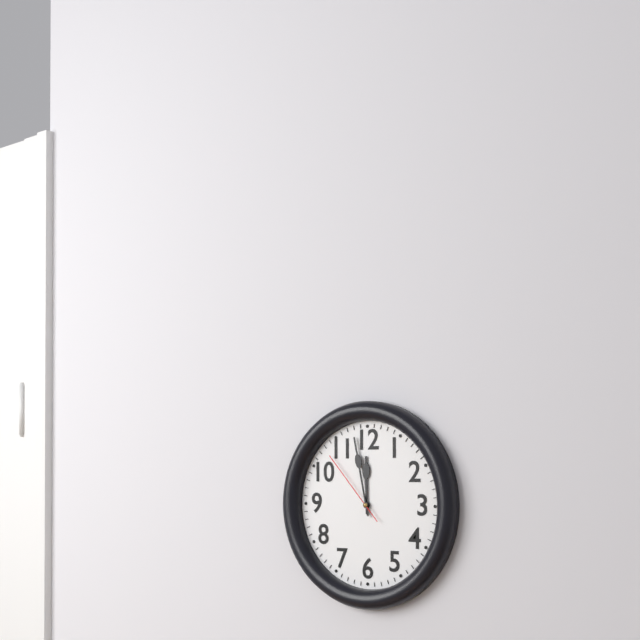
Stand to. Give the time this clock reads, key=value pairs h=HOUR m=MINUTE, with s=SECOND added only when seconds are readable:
h=11 m=58 s=53
